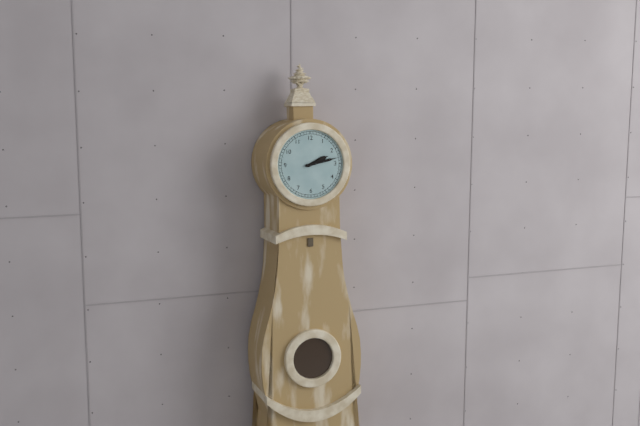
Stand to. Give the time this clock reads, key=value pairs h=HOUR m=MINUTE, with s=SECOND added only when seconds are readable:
h=2 m=13
